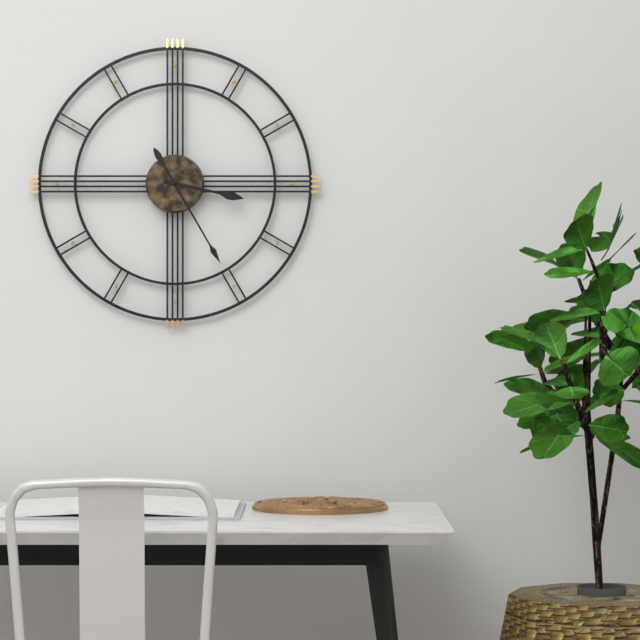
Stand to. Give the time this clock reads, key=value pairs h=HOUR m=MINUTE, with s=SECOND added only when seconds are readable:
h=3 m=25
